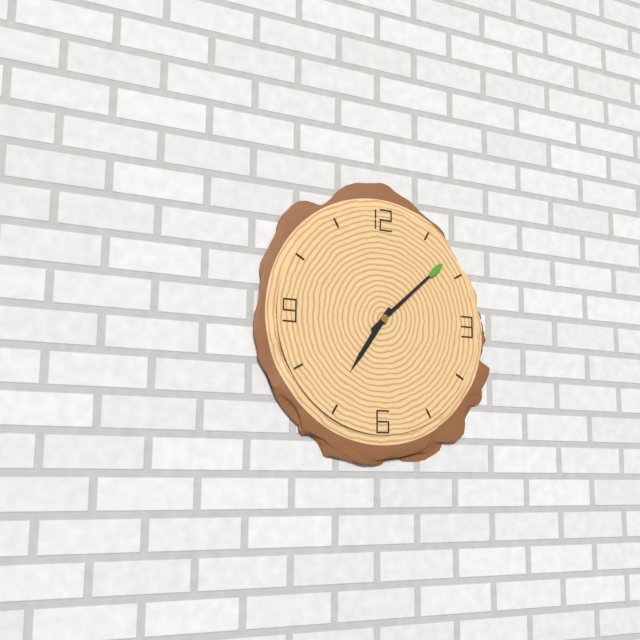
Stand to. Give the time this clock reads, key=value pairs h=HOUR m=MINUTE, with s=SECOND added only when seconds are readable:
h=7 m=8
